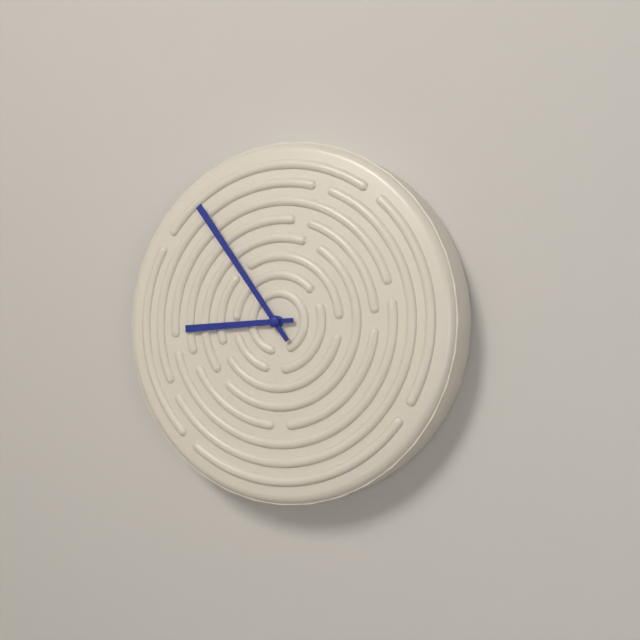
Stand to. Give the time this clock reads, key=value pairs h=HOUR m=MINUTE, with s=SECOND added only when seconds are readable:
h=8 m=54
